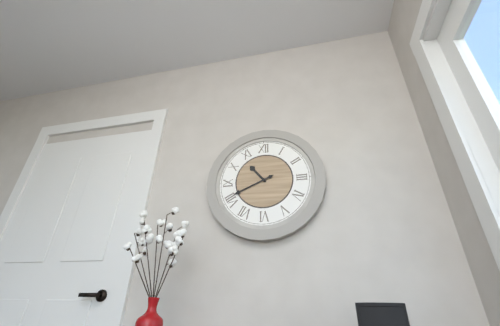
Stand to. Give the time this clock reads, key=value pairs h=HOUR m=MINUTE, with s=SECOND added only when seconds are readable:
h=10 m=41
